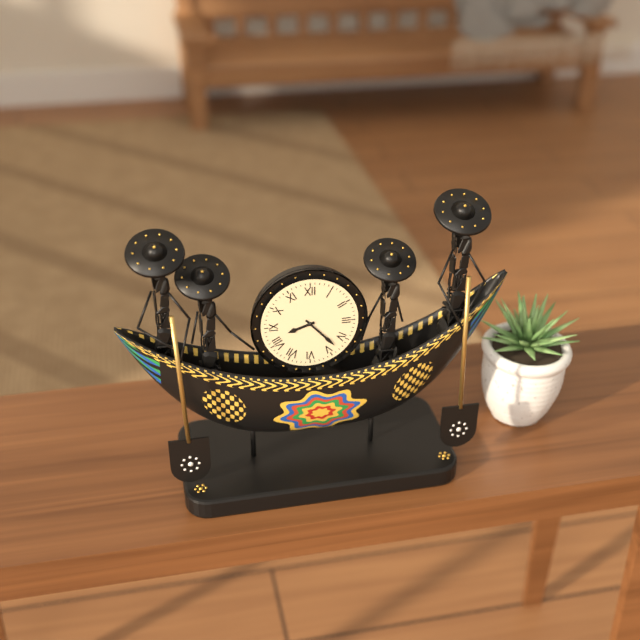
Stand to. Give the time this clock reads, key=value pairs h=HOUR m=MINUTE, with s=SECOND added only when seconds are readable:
h=8 m=23
